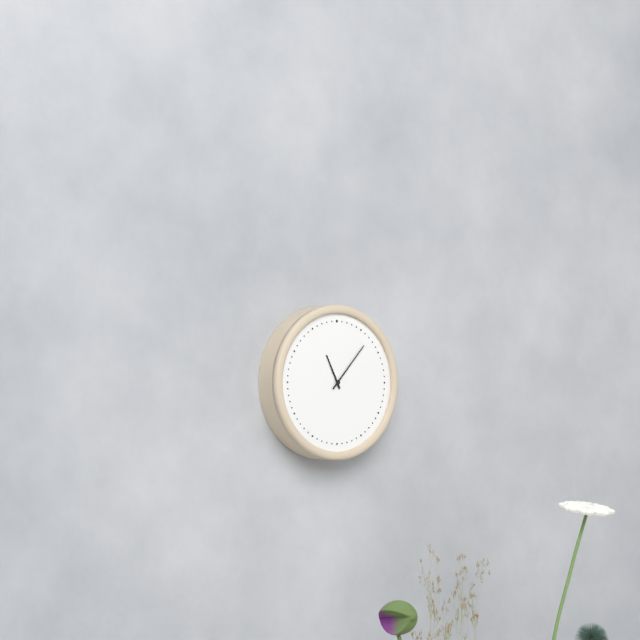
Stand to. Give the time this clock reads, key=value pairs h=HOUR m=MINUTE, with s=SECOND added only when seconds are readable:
h=11 m=7
